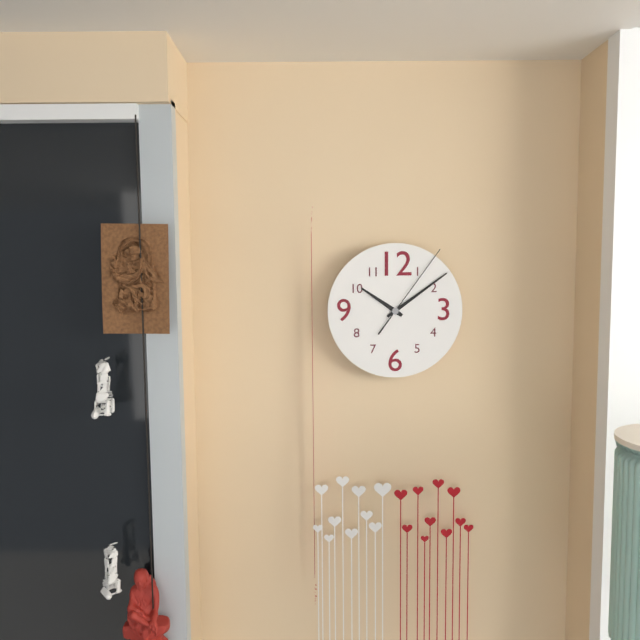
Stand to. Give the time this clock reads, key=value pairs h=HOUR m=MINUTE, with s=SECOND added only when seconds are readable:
h=10 m=9 s=6
